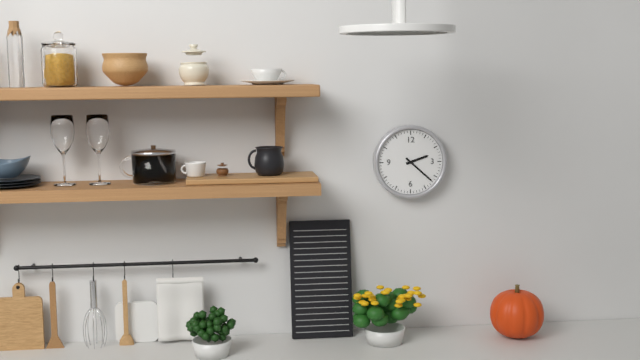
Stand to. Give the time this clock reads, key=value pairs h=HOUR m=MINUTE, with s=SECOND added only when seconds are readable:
h=2 m=22
